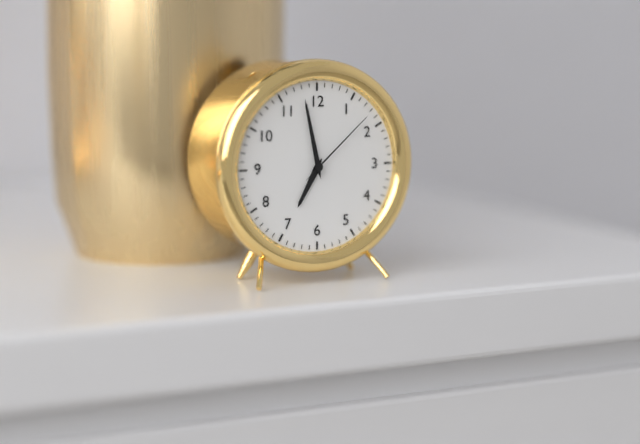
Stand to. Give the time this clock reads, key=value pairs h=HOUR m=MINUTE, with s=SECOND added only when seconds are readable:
h=6 m=58 s=8
